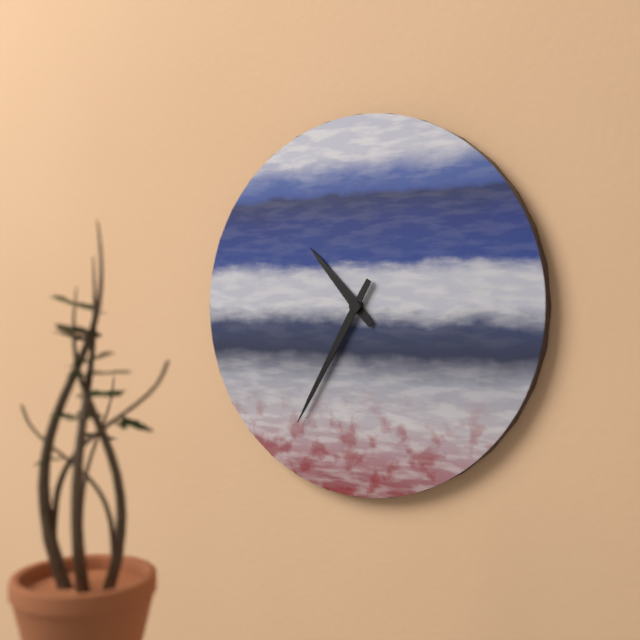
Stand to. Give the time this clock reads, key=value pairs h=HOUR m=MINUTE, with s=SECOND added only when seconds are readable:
h=10 m=35
